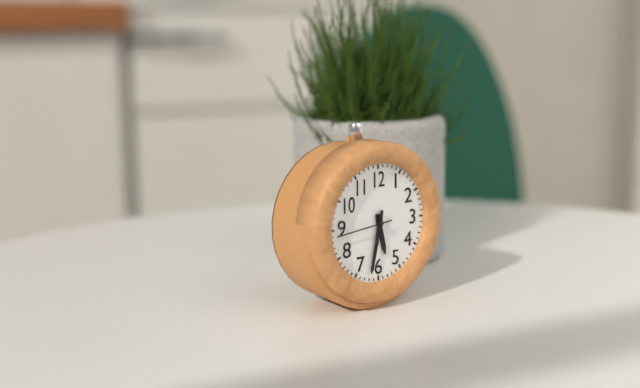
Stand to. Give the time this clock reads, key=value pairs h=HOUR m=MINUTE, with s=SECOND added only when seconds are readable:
h=5 m=32 s=44
